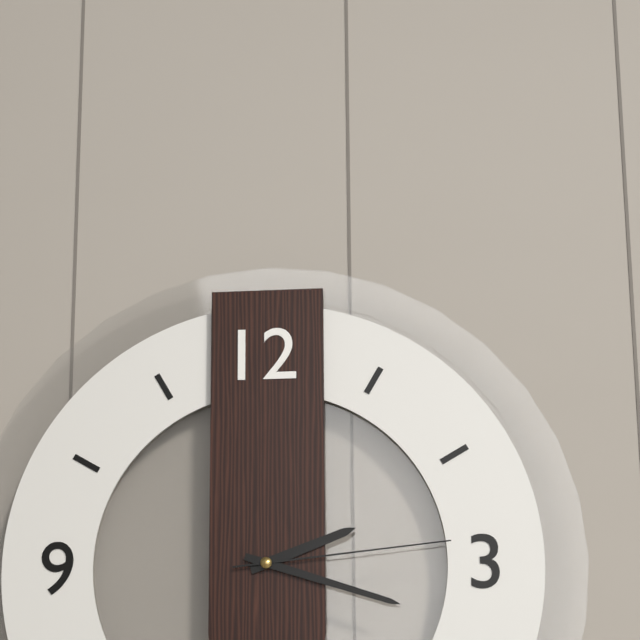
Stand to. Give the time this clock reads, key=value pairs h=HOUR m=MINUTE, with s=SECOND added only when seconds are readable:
h=2 m=18 s=14
